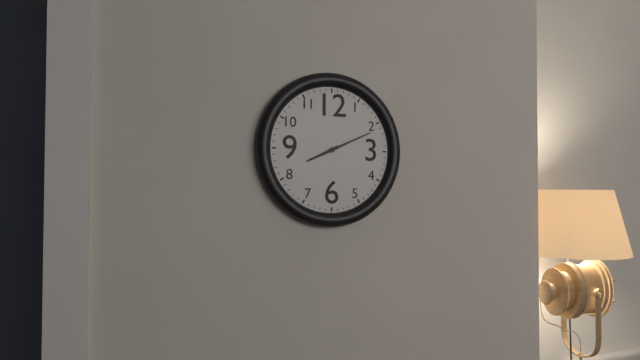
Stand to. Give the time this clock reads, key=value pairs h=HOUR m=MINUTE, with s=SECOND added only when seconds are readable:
h=8 m=11
